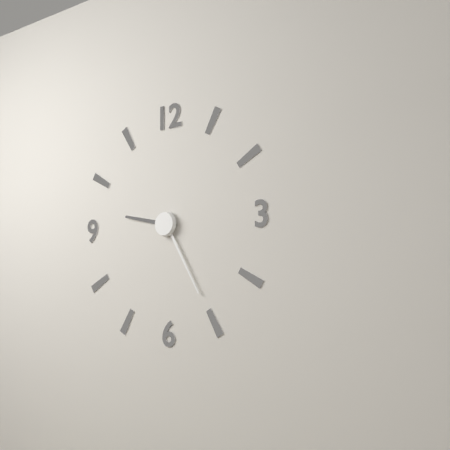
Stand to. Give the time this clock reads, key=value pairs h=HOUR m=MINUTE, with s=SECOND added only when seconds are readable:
h=9 m=25
